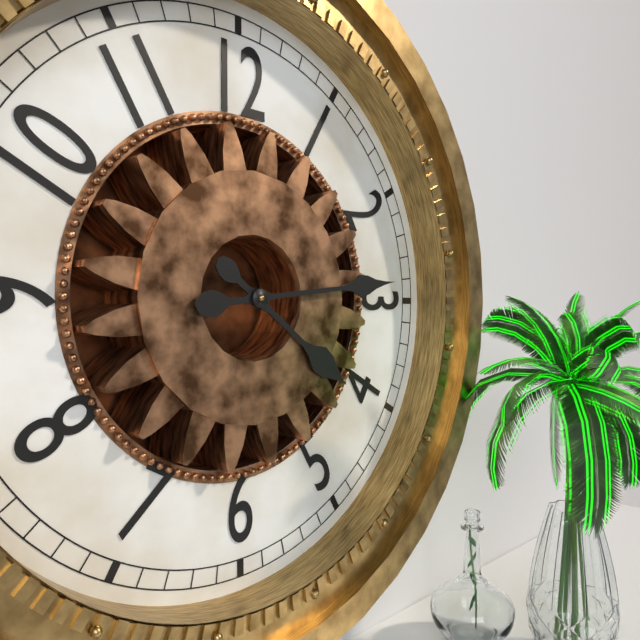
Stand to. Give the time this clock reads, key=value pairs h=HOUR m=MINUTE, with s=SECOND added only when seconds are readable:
h=4 m=14
